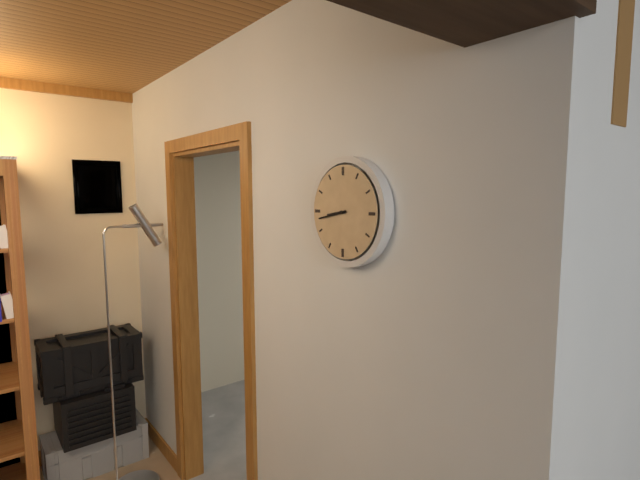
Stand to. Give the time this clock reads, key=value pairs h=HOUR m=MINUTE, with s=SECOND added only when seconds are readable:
h=8 m=43
